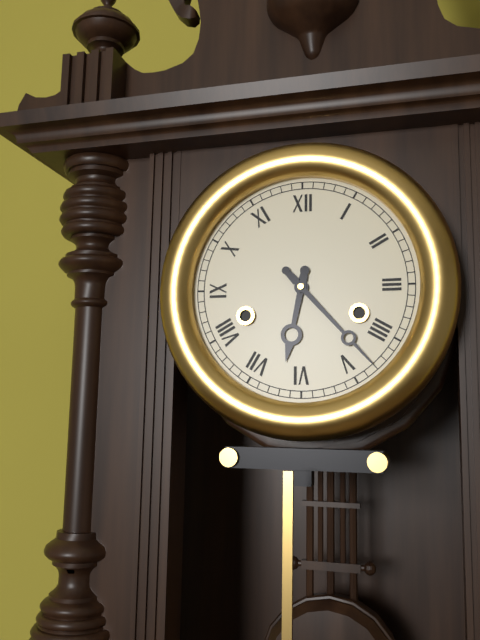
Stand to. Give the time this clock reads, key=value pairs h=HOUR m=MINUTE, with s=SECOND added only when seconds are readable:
h=6 m=23
